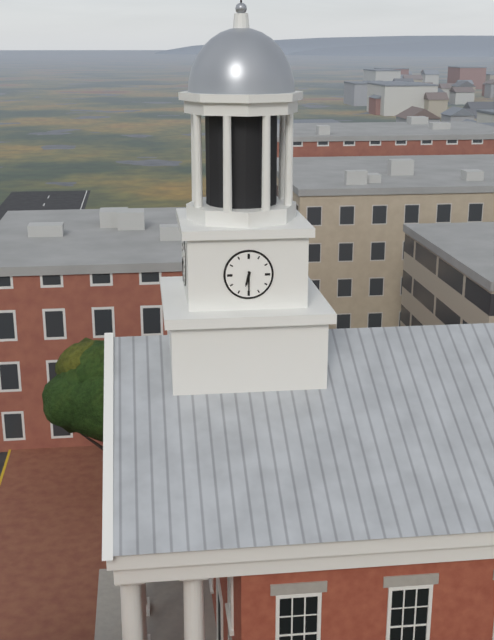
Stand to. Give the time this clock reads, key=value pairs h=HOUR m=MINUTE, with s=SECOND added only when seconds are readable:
h=6 m=30
